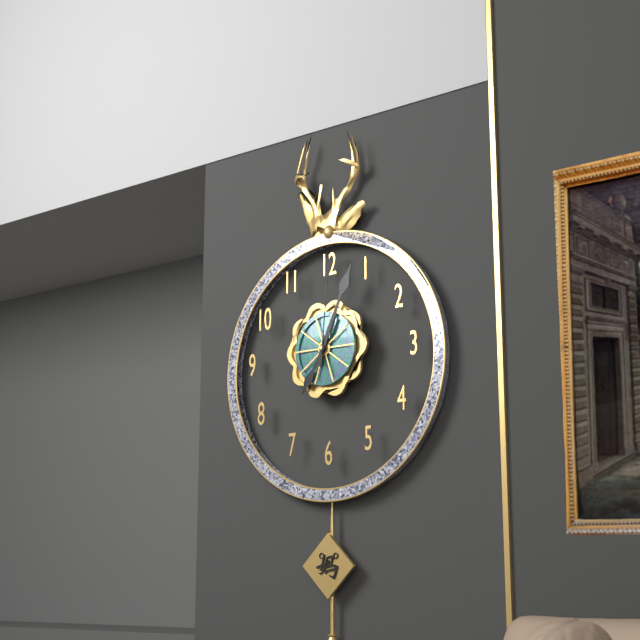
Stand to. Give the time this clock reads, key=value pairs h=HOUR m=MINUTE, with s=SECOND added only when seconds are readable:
h=7 m=4 s=1
